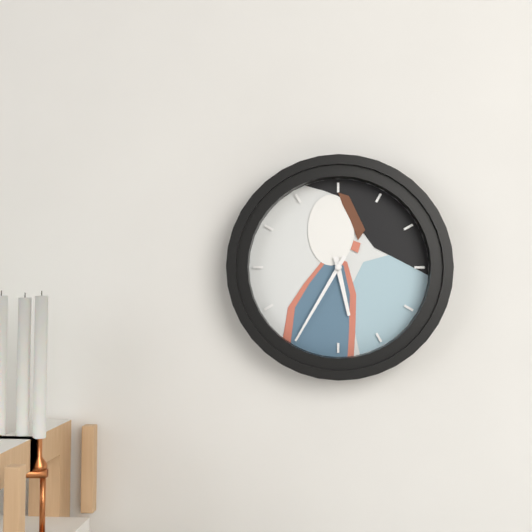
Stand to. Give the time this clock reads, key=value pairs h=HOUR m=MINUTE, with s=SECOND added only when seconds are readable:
h=5 m=35
